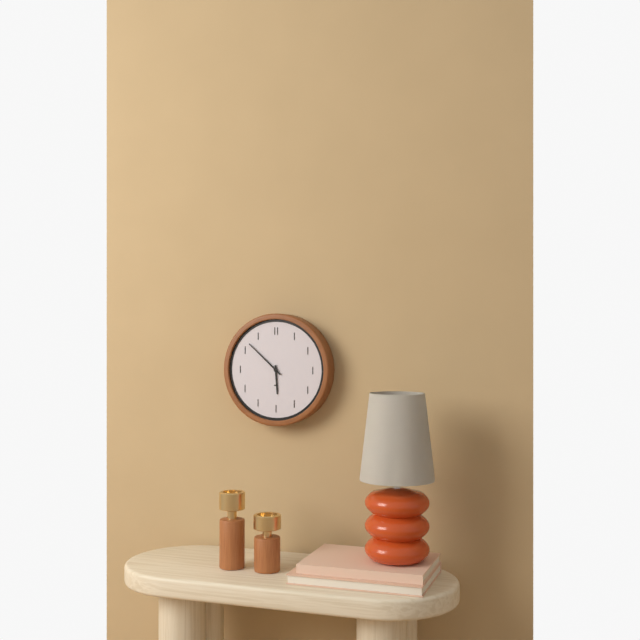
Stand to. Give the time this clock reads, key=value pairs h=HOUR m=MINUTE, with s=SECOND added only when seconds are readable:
h=5 m=52
